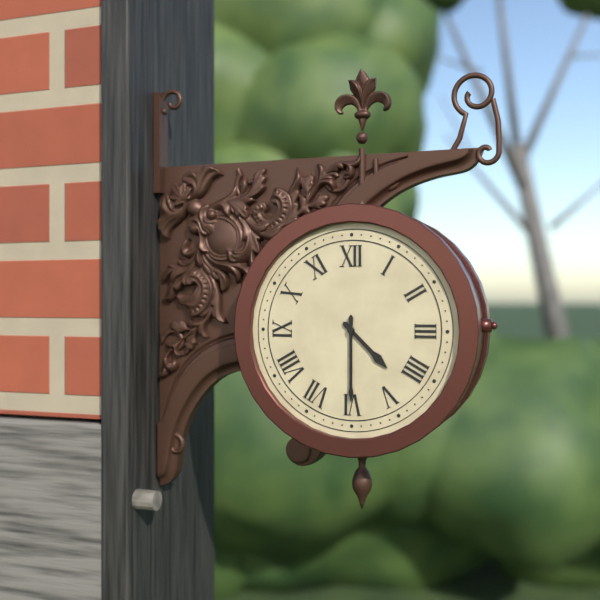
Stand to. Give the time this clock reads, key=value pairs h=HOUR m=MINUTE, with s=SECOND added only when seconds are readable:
h=4 m=30
